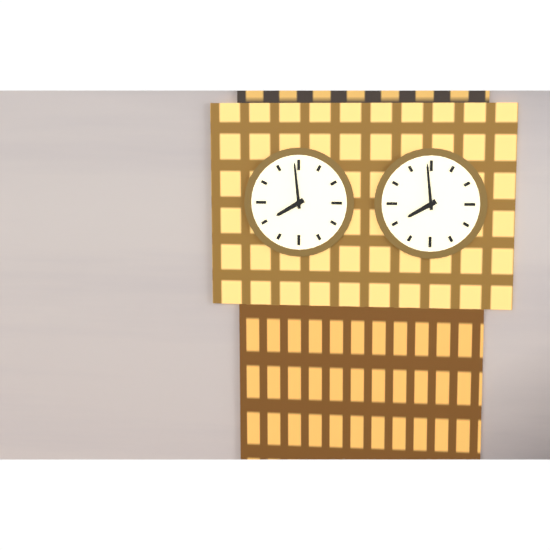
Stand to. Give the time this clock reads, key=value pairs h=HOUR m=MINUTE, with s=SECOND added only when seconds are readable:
h=7 m=59
